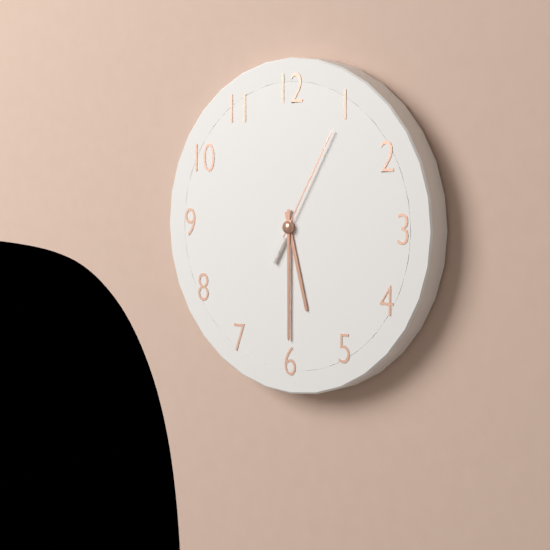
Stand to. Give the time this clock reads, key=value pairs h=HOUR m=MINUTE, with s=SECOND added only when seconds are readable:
h=5 m=30 s=5
